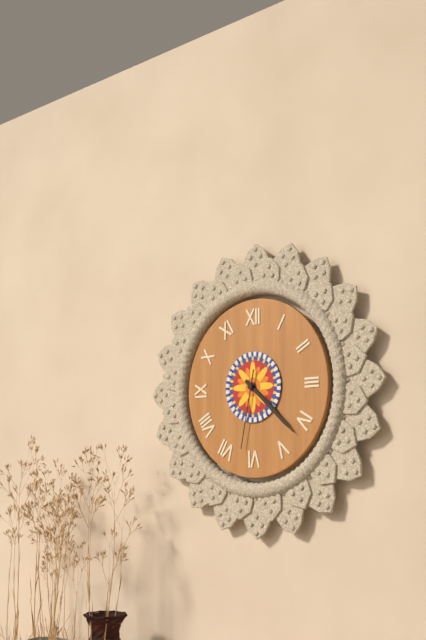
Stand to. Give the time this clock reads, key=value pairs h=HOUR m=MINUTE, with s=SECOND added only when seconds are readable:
h=4 m=22 s=32
